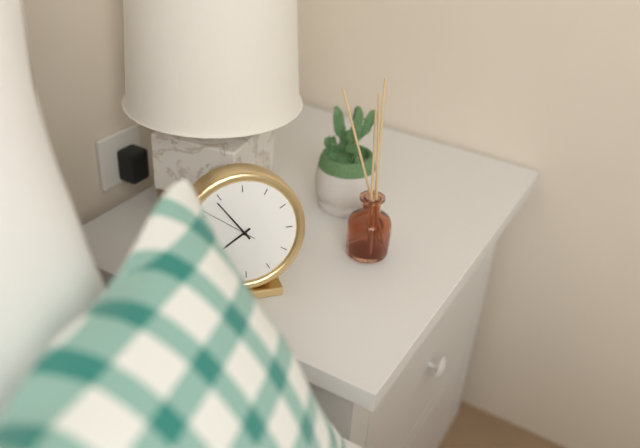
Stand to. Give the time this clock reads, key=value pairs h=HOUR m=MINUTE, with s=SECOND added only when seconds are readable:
h=7 m=54 s=51
